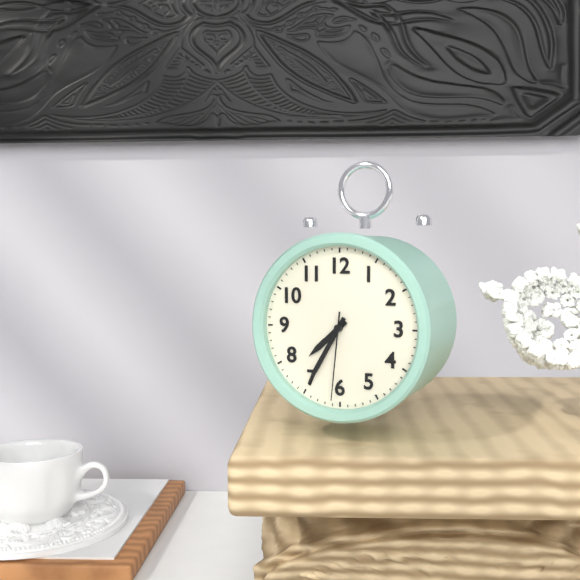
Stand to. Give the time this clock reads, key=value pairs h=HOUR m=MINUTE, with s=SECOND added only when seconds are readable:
h=7 m=35 s=31
